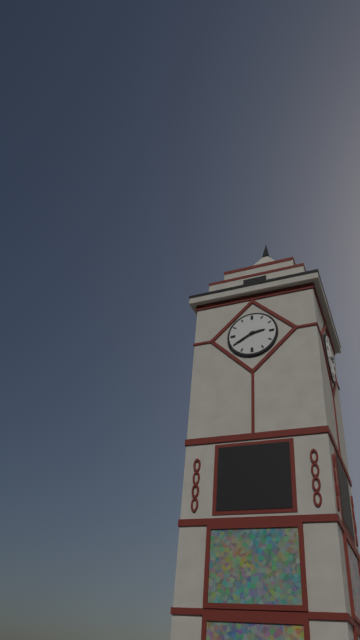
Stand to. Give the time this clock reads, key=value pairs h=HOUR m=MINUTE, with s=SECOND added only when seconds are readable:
h=2 m=40
